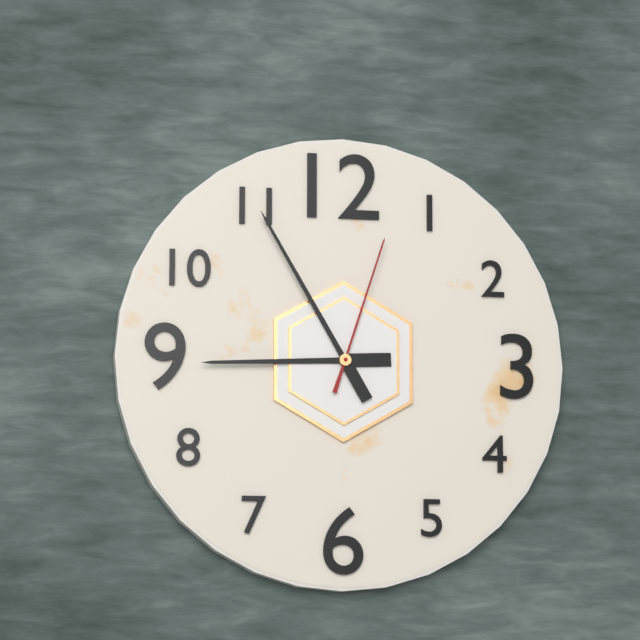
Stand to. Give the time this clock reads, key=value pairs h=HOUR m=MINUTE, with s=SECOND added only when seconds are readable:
h=8 m=55 s=3
